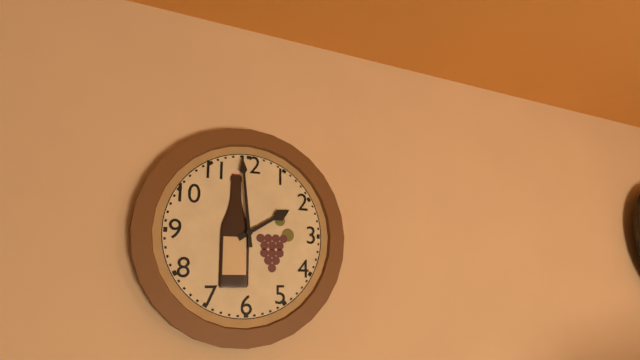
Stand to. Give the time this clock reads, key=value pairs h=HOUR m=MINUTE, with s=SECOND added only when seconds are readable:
h=1 m=59
